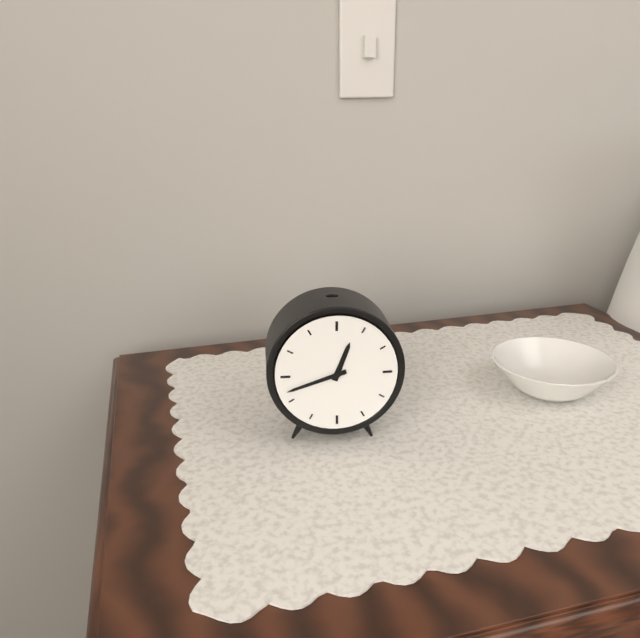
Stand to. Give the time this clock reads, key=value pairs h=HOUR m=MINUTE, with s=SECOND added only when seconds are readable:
h=12 m=42
